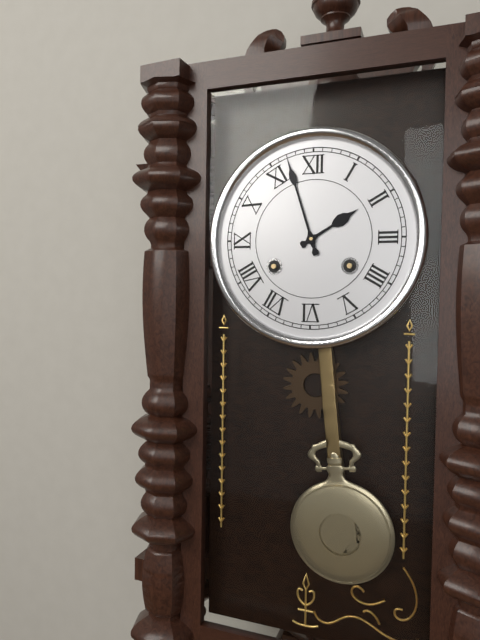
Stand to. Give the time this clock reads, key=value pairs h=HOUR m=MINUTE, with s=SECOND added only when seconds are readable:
h=1 m=57
